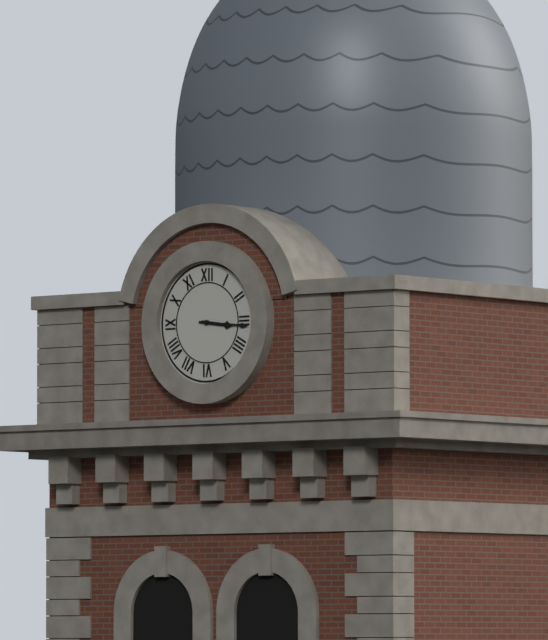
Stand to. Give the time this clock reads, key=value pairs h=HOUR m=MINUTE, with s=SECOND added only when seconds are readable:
h=3 m=16
